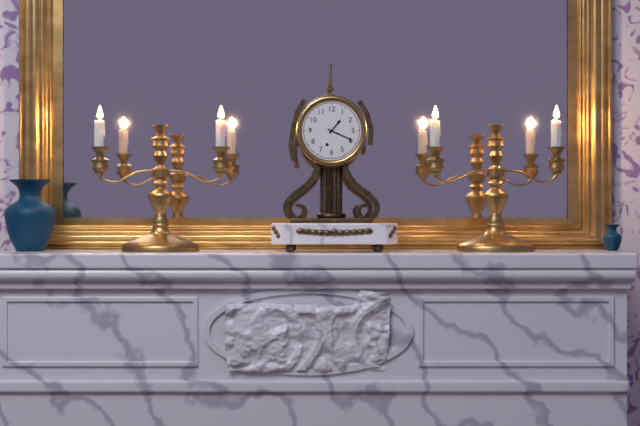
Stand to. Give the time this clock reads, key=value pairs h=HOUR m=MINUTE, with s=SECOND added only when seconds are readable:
h=1 m=19
